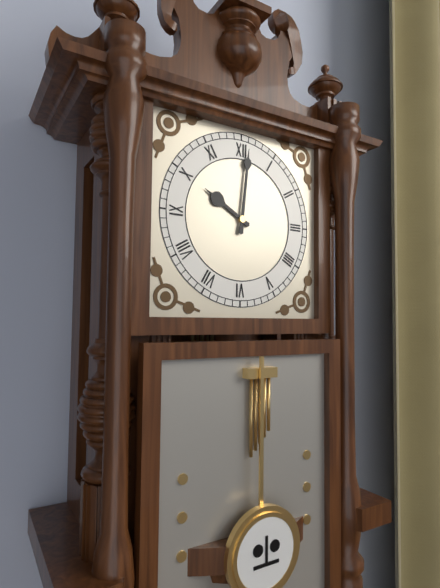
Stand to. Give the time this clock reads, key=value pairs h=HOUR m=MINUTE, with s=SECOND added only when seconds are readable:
h=10 m=1
